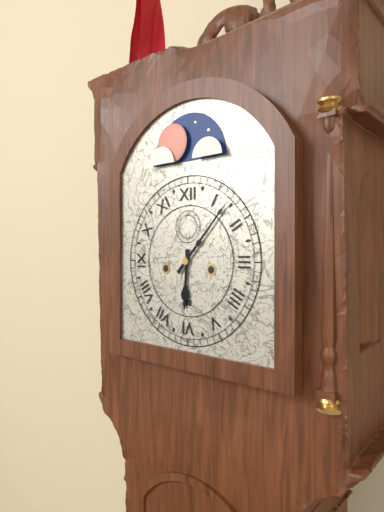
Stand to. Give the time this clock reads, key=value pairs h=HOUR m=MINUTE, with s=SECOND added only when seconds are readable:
h=6 m=7
